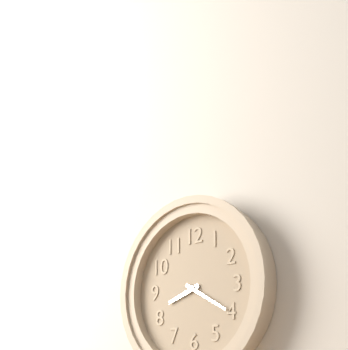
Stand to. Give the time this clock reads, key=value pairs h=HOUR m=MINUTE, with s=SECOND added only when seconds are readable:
h=8 m=20
